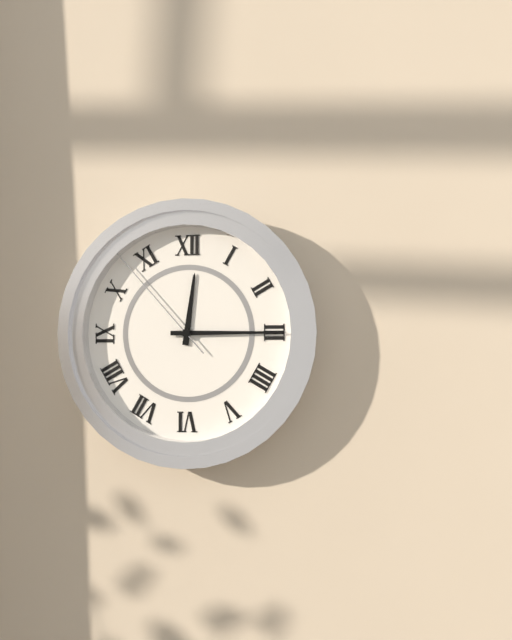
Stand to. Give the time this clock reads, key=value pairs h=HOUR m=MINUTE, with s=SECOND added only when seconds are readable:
h=12 m=15 s=53
